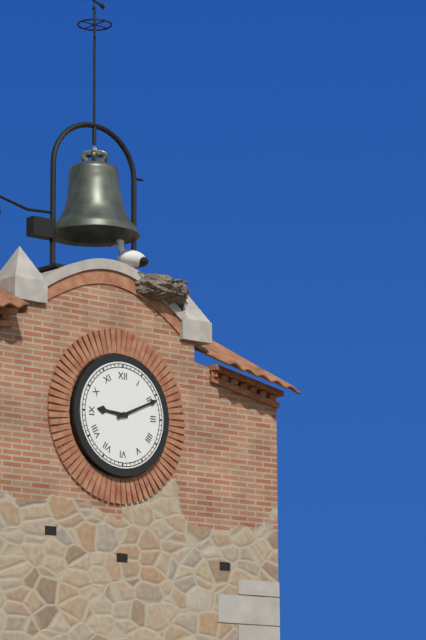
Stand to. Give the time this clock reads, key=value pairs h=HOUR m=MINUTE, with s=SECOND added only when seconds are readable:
h=9 m=11
